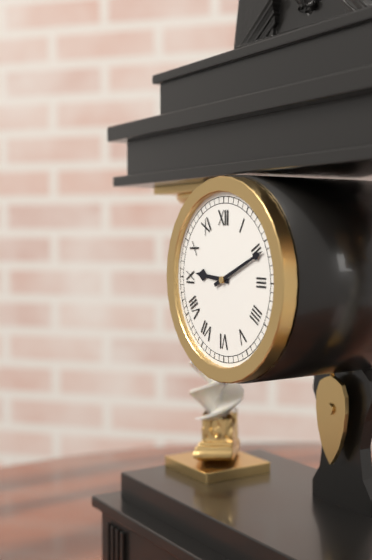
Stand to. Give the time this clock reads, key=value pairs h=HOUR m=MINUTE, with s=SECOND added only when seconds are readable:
h=9 m=11
